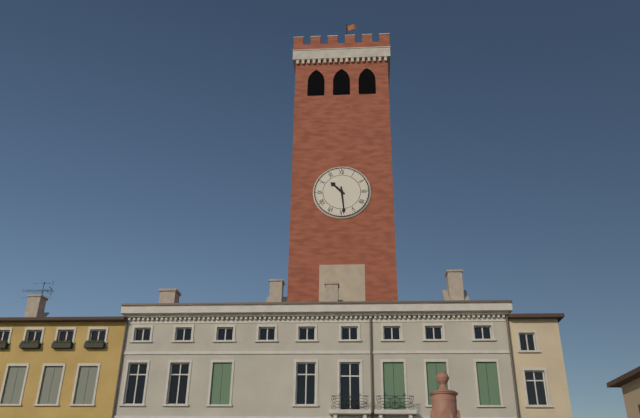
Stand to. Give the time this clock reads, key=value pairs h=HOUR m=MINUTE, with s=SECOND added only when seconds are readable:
h=10 m=29
